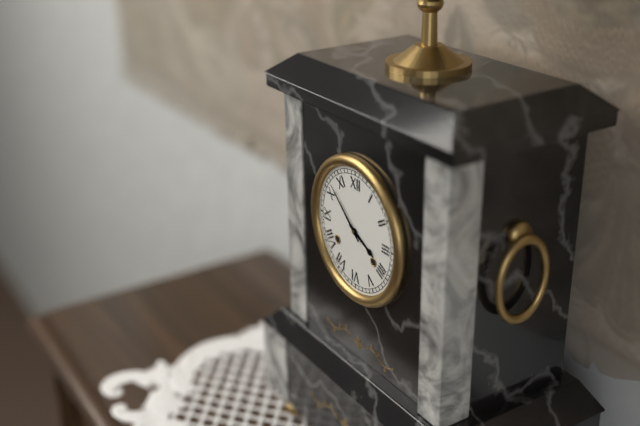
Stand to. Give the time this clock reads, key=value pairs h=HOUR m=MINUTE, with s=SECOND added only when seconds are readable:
h=3 m=52
